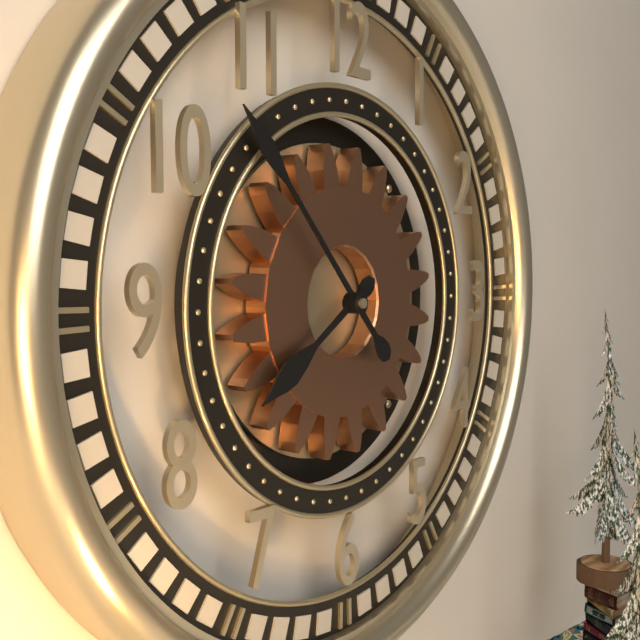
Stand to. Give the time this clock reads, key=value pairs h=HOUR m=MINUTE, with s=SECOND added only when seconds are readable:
h=7 m=53
